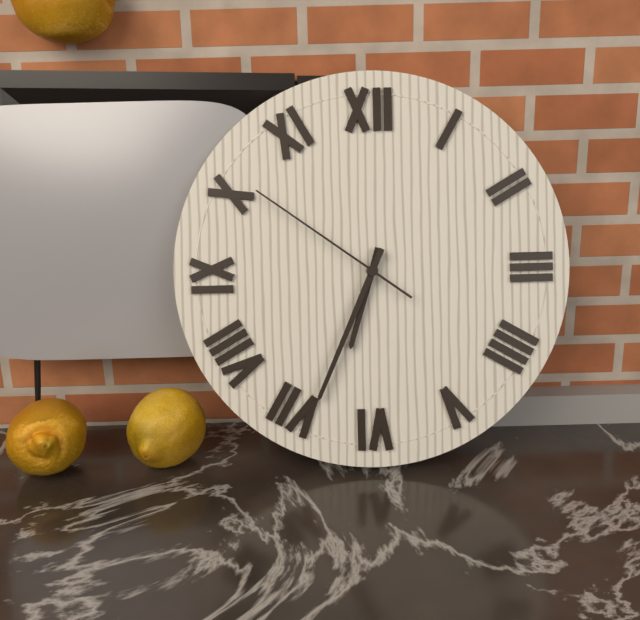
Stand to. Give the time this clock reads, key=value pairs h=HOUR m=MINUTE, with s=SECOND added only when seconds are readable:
h=6 m=34 s=51
